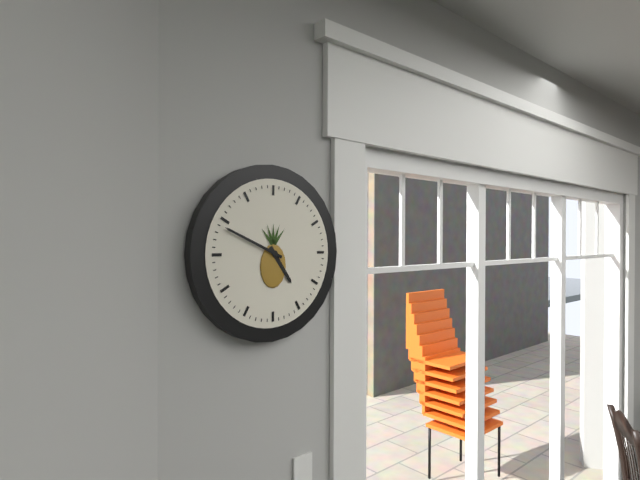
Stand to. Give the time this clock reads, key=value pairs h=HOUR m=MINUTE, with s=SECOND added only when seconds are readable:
h=4 m=49
